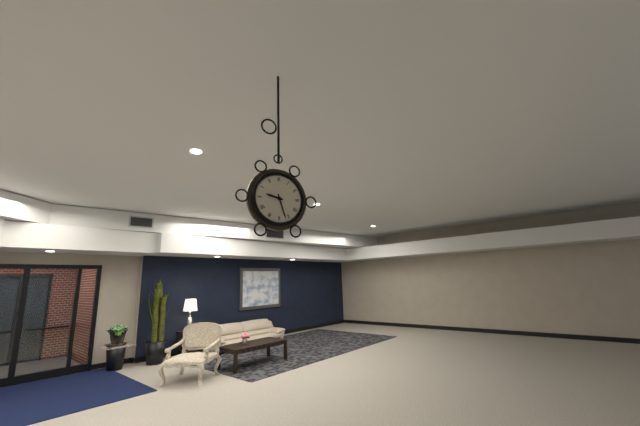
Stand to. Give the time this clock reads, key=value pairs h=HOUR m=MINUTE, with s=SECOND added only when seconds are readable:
h=9 m=27
